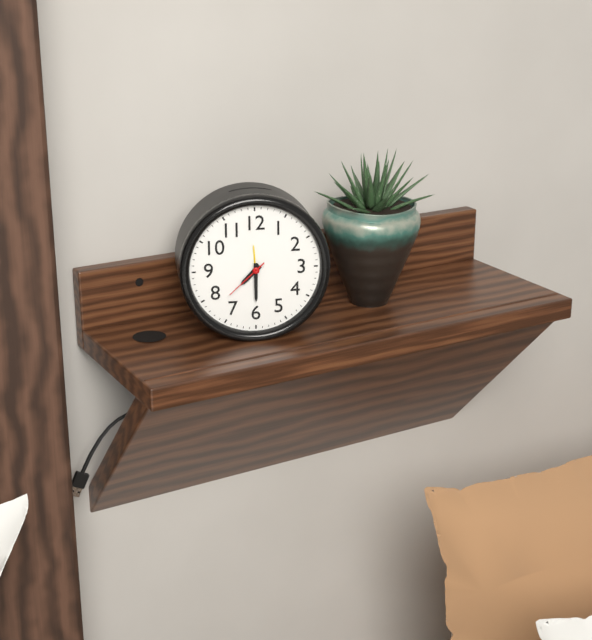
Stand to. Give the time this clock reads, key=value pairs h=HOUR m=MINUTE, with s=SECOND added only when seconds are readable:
h=7 m=30
